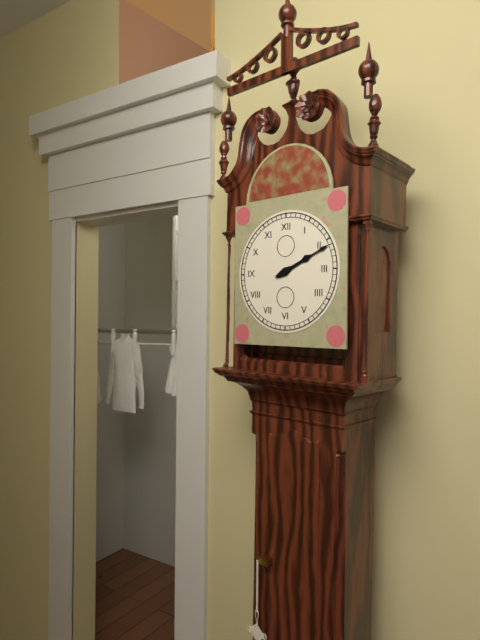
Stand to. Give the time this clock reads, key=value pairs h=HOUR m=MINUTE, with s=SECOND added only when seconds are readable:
h=2 m=11
